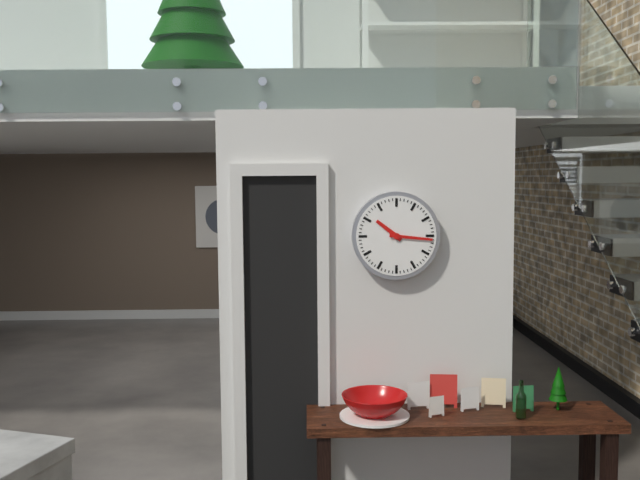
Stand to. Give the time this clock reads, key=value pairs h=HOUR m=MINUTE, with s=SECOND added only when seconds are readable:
h=10 m=16
